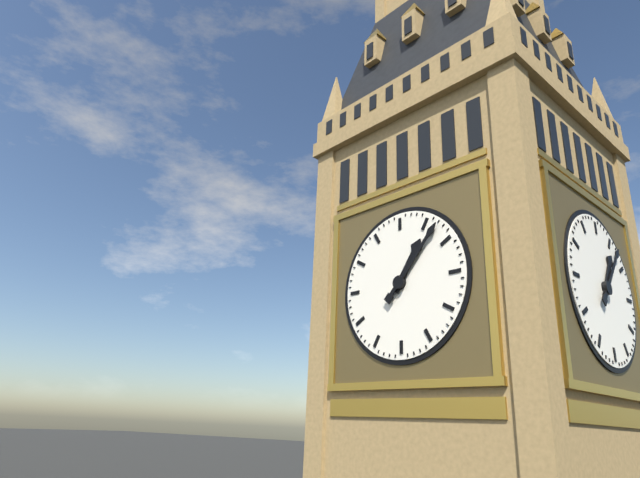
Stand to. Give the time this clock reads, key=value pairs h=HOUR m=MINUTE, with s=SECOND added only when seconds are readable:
h=1 m=7
